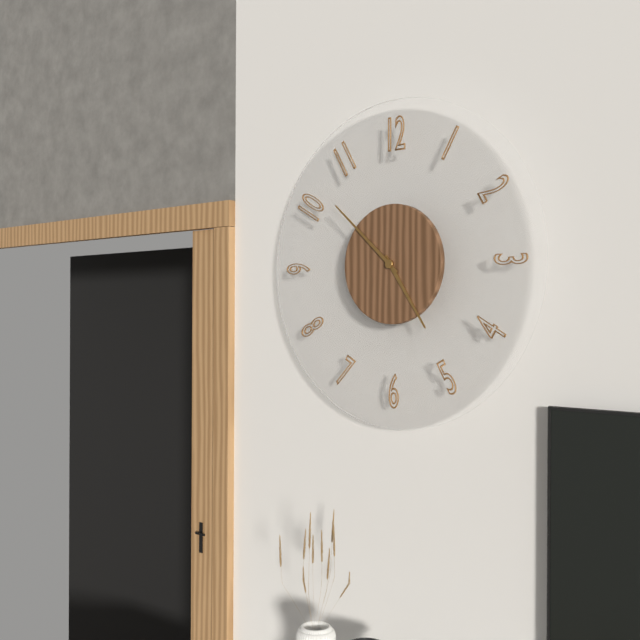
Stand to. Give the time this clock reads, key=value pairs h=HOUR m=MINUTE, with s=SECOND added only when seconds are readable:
h=4 m=52
